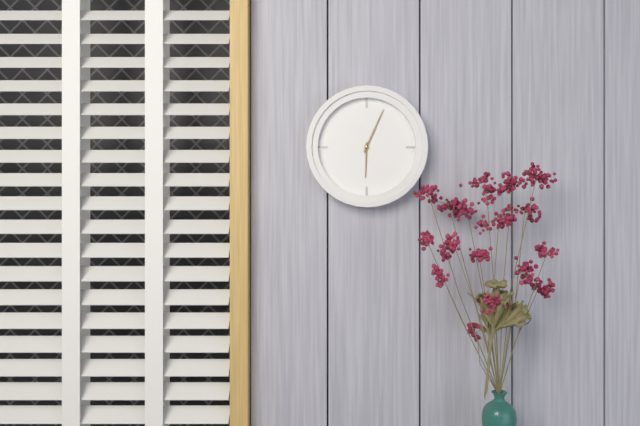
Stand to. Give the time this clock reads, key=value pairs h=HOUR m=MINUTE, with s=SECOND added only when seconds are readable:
h=6 m=4
